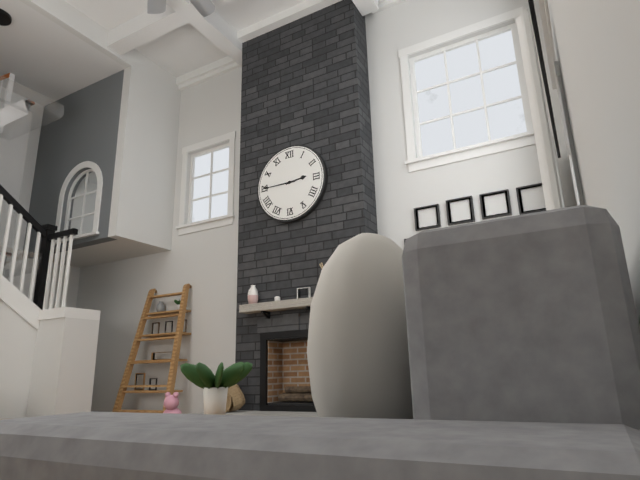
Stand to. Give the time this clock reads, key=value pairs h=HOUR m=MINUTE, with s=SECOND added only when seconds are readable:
h=2 m=45
